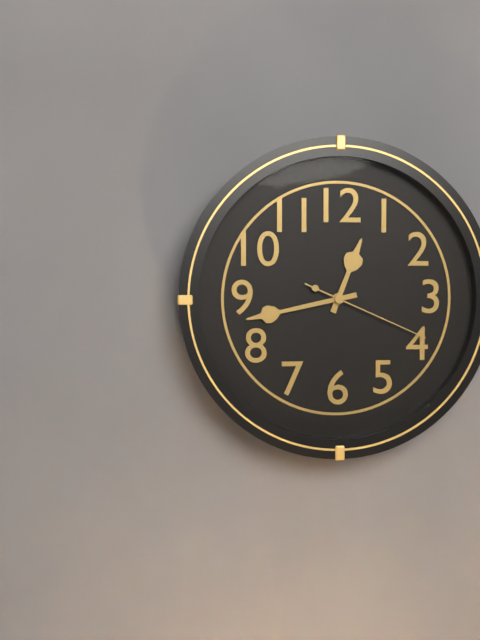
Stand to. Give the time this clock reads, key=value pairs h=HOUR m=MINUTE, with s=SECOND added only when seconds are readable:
h=12 m=43 s=19
